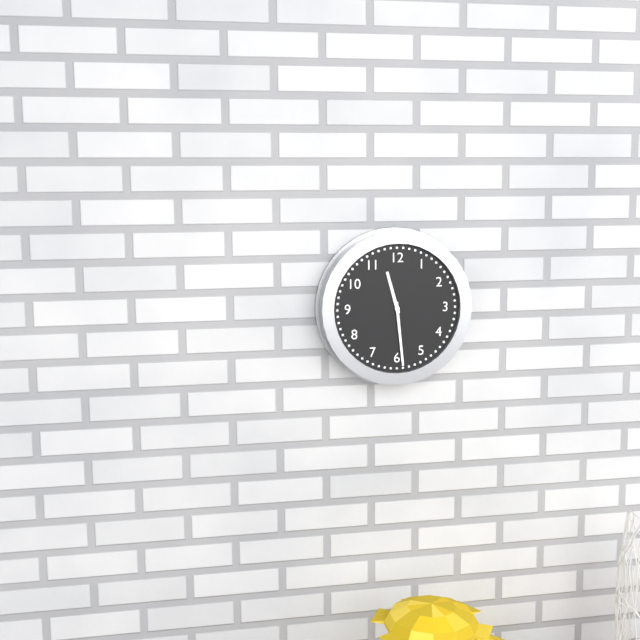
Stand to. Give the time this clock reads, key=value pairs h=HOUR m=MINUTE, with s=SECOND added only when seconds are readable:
h=11 m=29
